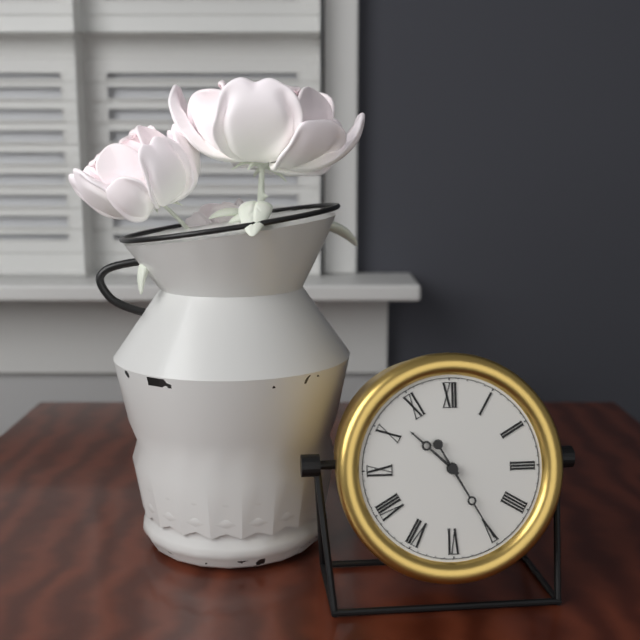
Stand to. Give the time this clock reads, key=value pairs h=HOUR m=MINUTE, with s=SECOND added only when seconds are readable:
h=10 m=25
